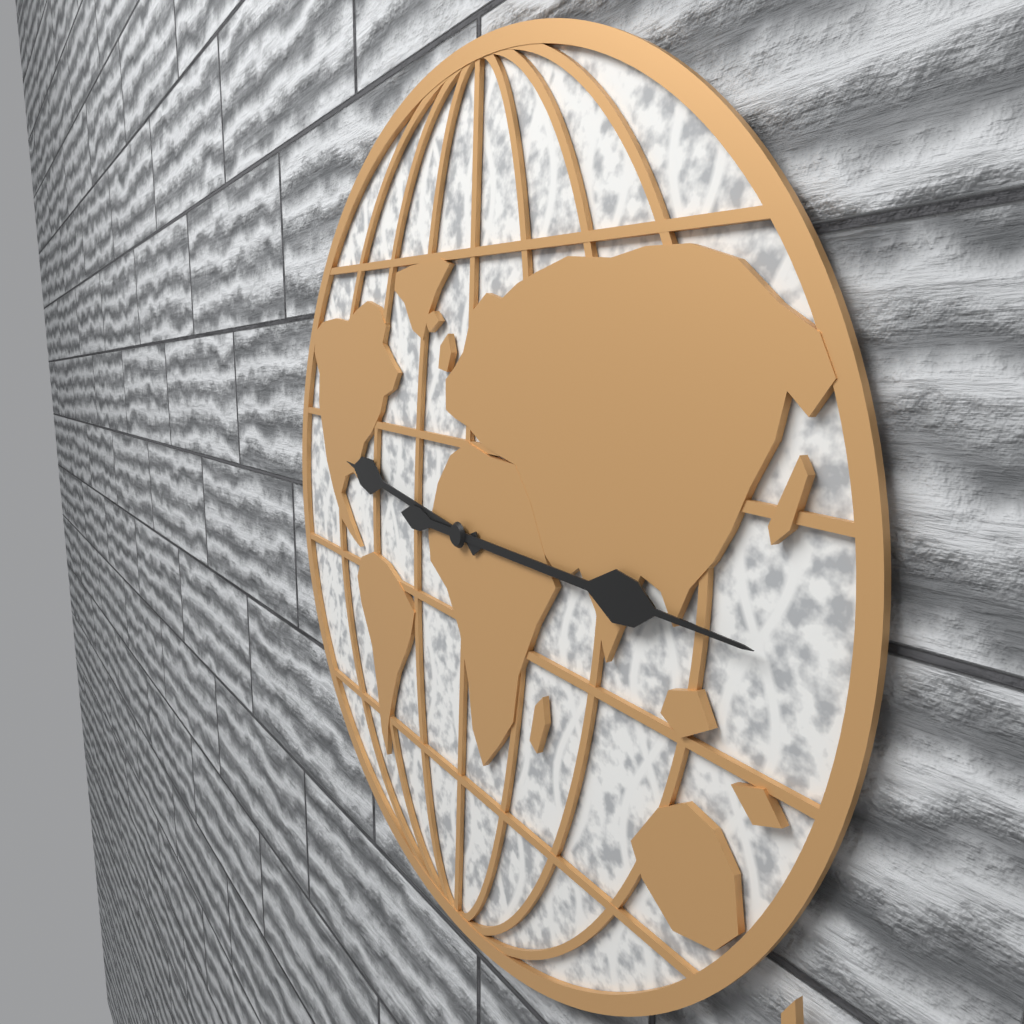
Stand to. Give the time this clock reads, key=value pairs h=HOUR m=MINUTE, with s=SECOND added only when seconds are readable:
h=9 m=15
